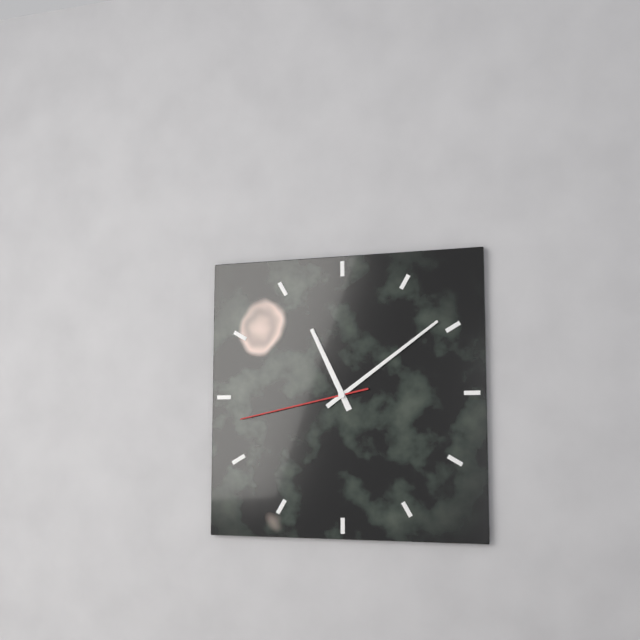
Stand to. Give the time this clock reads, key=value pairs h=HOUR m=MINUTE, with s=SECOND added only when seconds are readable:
h=11 m=9 s=43
